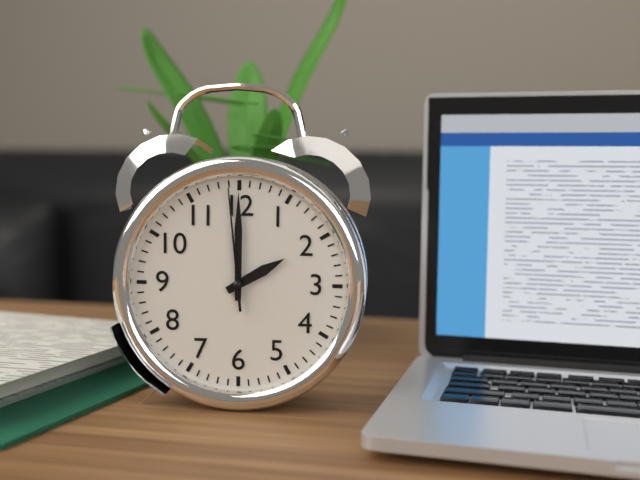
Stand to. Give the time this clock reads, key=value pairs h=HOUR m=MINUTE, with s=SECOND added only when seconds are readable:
h=2 m=0 s=59
